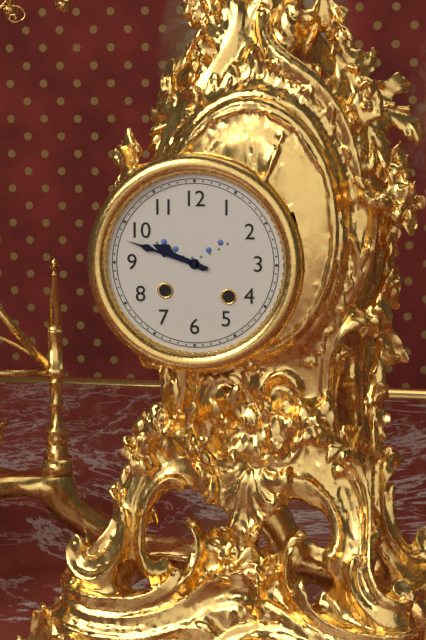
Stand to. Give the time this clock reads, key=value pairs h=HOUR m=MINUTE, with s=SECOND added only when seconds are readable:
h=9 m=48
